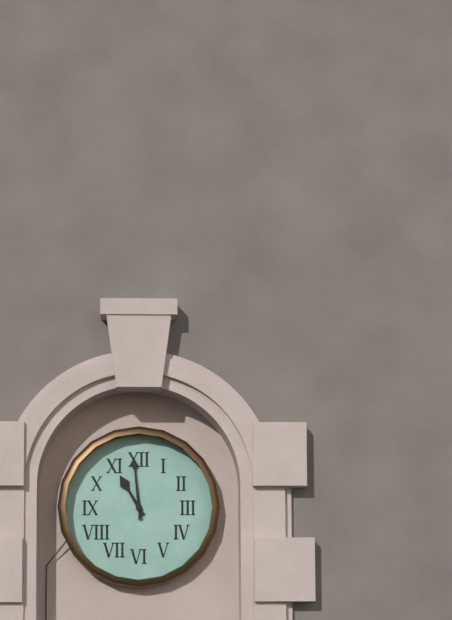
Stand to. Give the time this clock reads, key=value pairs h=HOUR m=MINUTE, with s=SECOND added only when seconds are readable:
h=10 m=59
